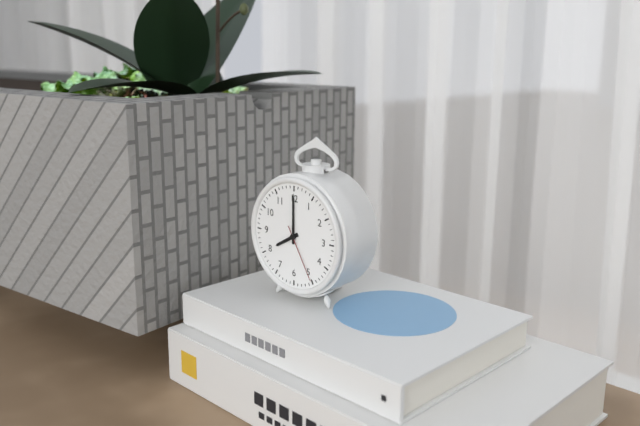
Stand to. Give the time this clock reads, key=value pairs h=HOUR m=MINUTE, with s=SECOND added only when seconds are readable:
h=8 m=0 s=25
